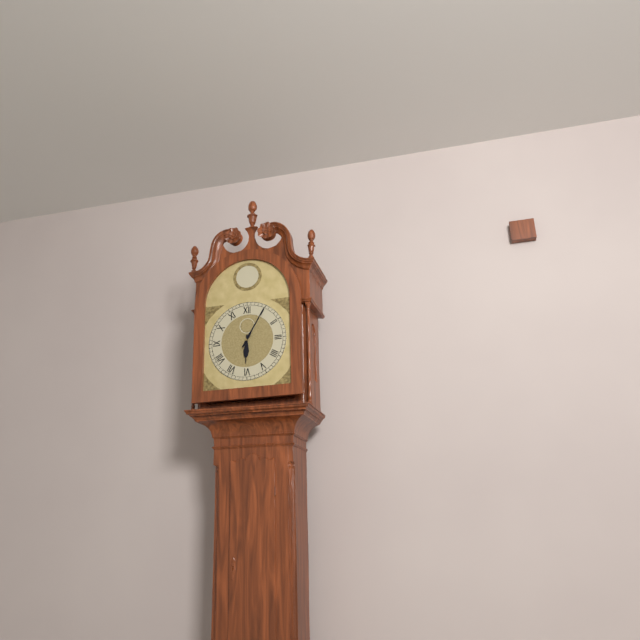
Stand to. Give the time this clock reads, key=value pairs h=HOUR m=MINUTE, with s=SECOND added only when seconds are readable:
h=6 m=5
